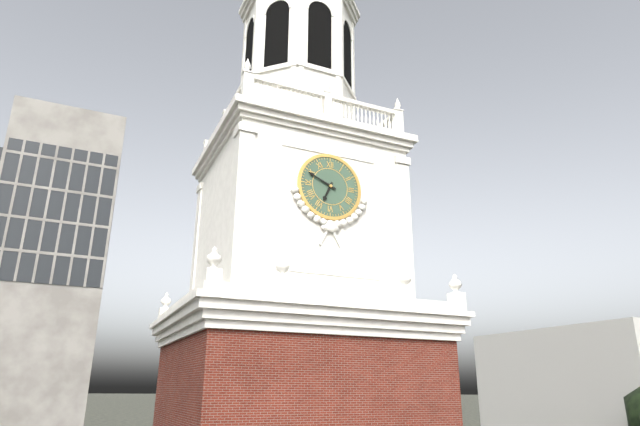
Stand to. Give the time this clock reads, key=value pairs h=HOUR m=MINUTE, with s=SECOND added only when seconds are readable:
h=6 m=49
